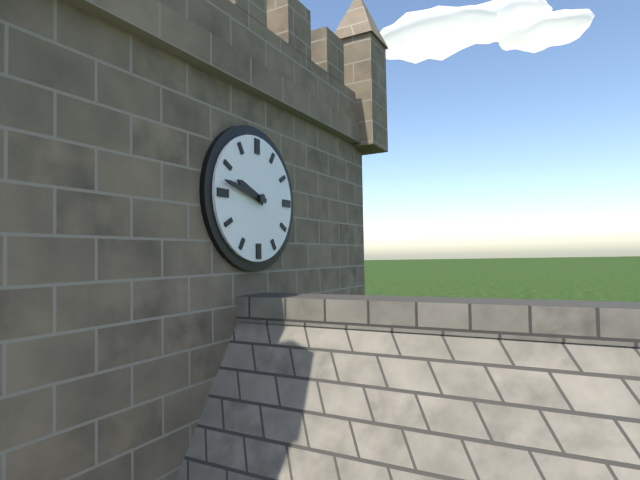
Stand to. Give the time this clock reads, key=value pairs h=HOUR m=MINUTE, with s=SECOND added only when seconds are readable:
h=9 m=47
